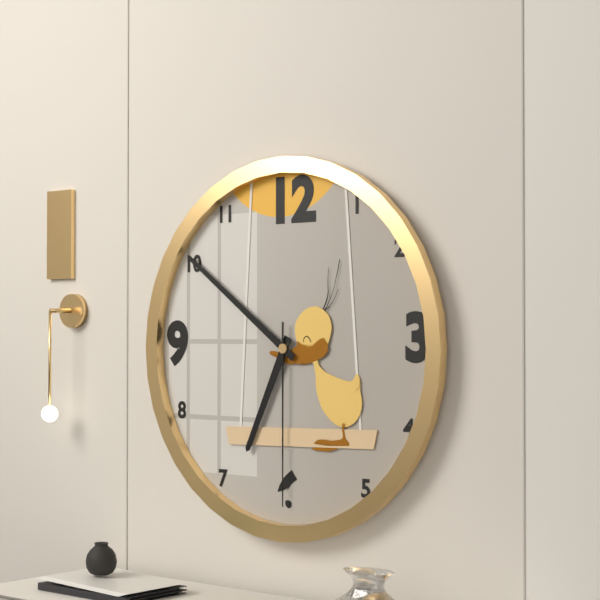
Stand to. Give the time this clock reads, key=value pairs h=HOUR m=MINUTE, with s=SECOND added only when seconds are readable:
h=6 m=51 s=30
